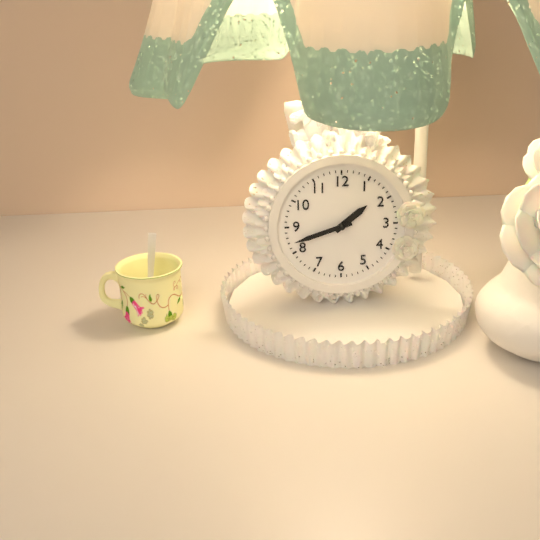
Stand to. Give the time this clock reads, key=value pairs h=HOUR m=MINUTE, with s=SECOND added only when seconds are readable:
h=1 m=42
